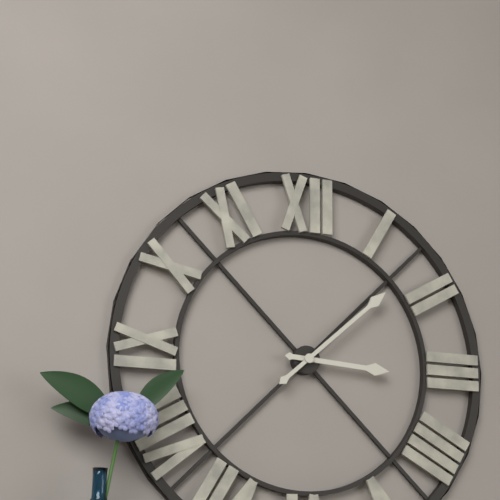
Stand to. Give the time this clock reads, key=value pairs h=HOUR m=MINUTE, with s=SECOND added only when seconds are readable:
h=3 m=8
